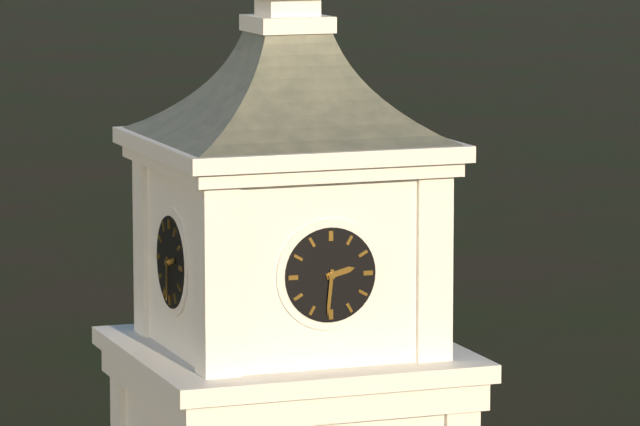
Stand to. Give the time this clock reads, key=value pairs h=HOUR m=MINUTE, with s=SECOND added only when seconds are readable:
h=2 m=31
